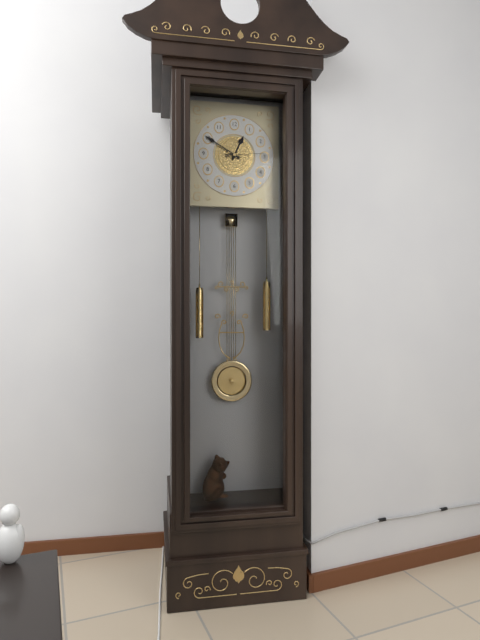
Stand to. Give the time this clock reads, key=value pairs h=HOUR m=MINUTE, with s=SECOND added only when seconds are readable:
h=12 m=50
